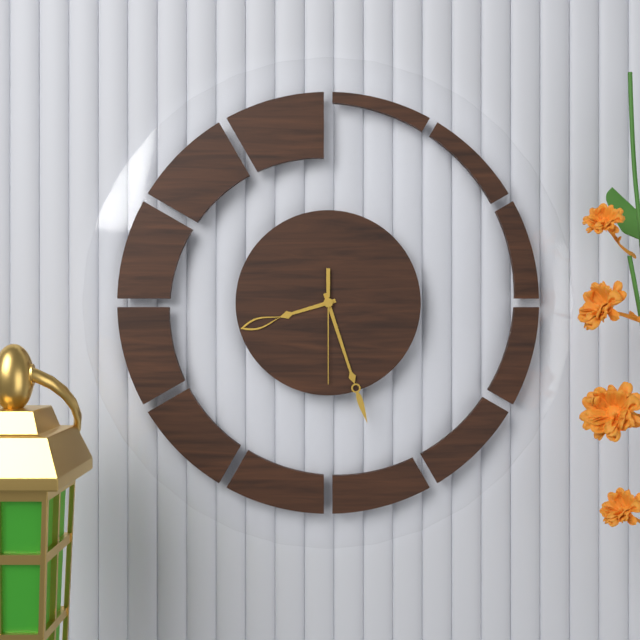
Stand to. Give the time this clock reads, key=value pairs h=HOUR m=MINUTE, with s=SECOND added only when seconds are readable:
h=8 m=27 s=30
